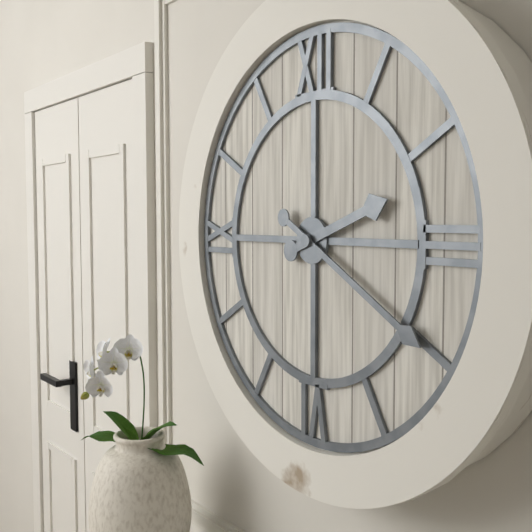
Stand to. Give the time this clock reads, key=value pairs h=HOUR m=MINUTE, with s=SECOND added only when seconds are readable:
h=2 m=20
